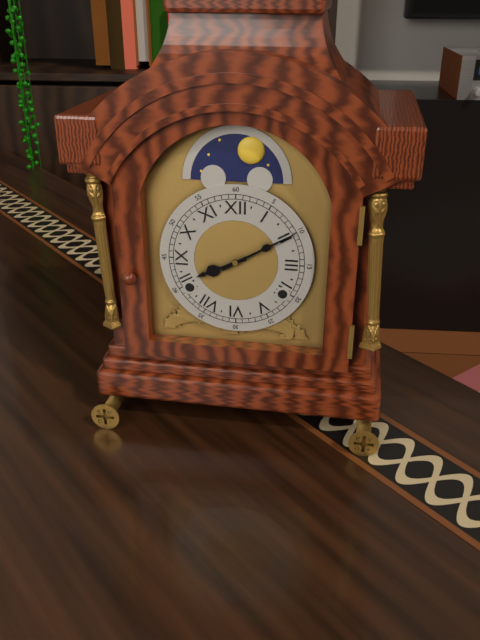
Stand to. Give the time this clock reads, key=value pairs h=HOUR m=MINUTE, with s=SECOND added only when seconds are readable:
h=8 m=10
